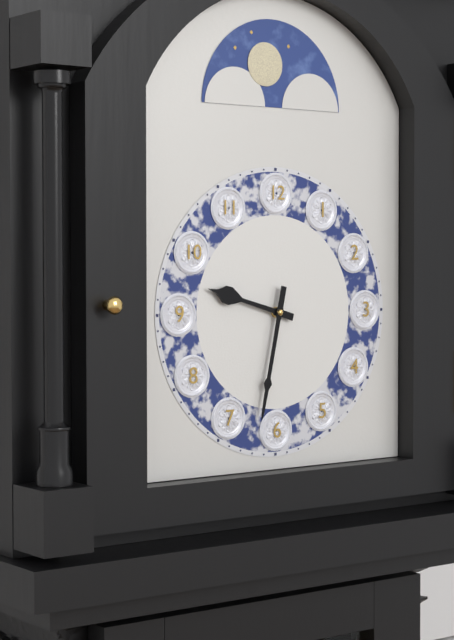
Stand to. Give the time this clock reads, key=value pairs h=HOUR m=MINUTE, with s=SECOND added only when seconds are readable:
h=9 m=32
